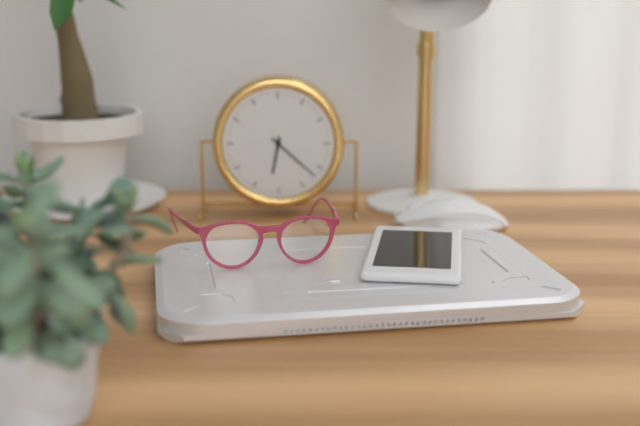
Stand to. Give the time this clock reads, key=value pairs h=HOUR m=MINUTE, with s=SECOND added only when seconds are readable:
h=6 m=22
